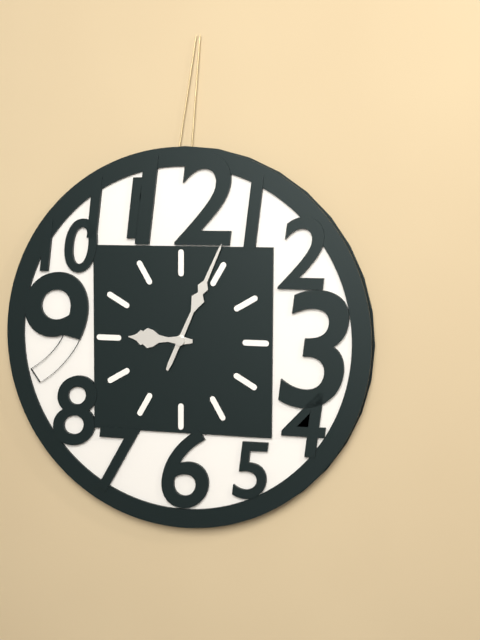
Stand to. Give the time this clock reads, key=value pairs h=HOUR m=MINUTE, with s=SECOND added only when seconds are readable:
h=9 m=4
